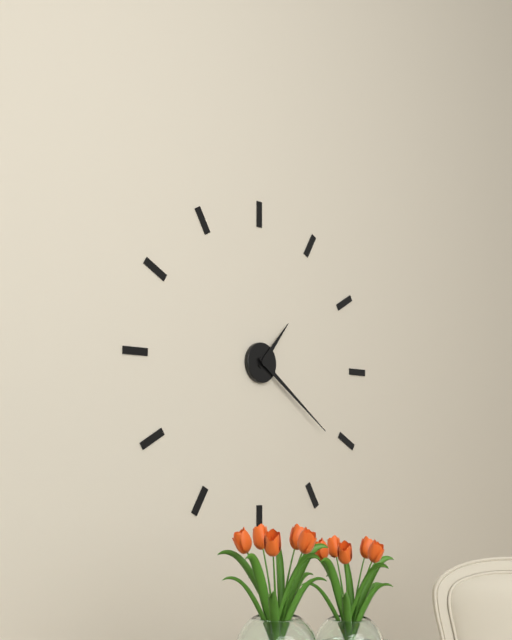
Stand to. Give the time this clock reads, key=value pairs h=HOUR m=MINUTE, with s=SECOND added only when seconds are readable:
h=1 m=21
